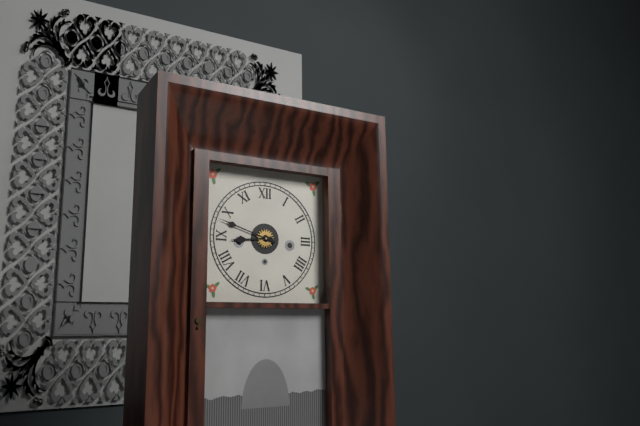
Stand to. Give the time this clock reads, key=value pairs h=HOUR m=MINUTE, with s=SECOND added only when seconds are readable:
h=8 m=48
